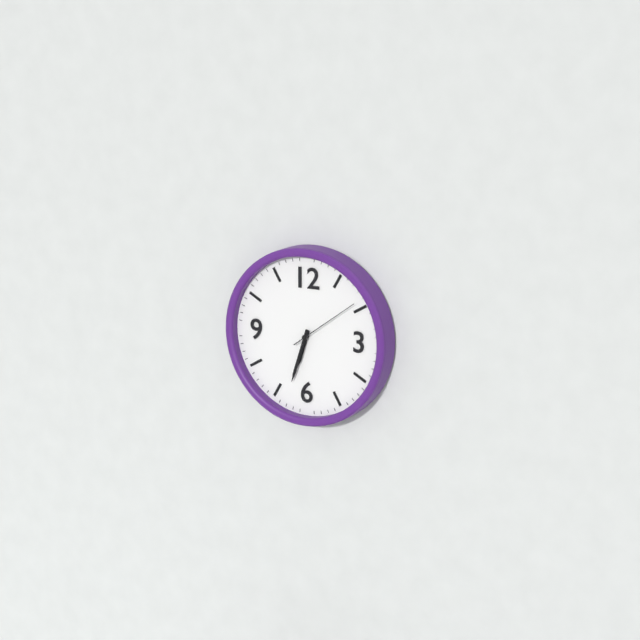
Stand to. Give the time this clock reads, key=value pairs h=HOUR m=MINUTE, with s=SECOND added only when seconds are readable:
h=6 m=33 s=9
